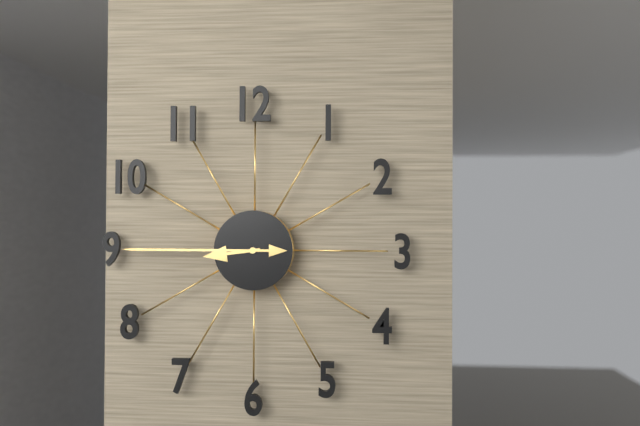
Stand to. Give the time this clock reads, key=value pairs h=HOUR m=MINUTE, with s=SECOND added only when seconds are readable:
h=8 m=45
